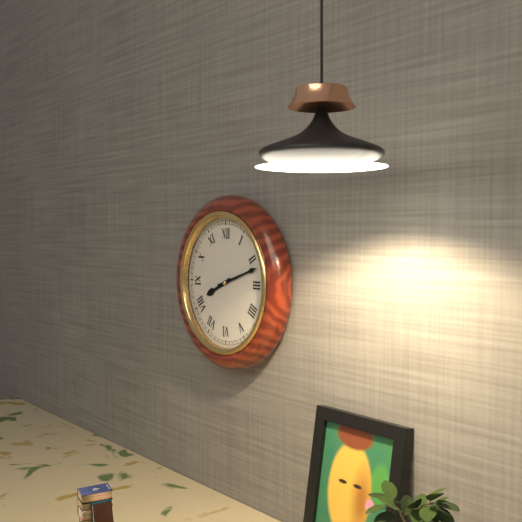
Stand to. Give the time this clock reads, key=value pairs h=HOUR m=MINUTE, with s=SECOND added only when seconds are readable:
h=8 m=12
